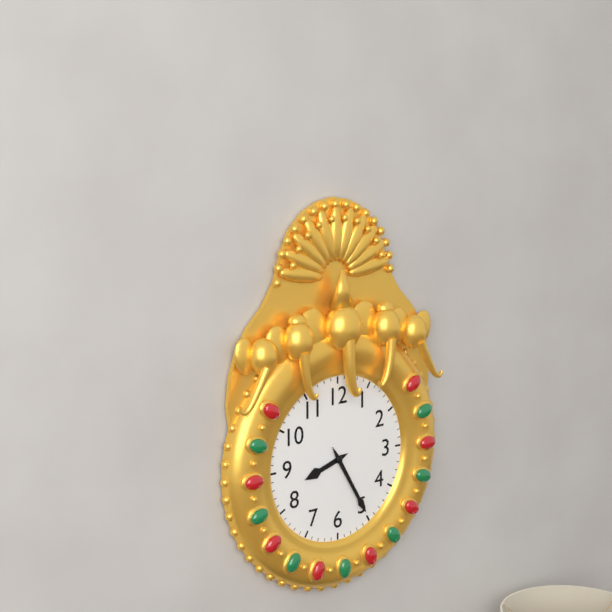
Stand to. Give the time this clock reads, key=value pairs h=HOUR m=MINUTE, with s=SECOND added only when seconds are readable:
h=8 m=25
